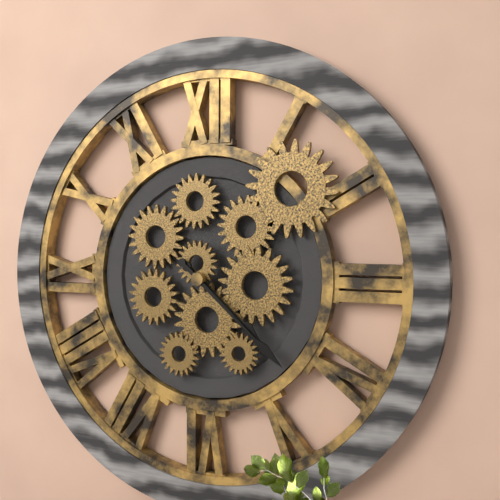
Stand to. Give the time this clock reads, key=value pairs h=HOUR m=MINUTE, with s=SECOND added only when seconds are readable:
h=4 m=22
